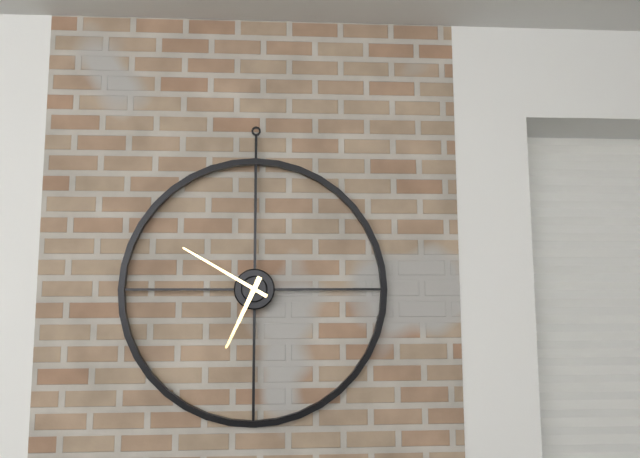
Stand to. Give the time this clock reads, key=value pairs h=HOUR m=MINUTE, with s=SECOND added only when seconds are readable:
h=6 m=50
